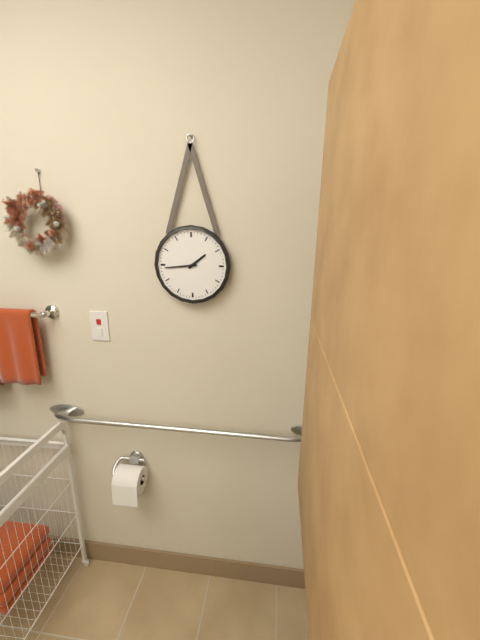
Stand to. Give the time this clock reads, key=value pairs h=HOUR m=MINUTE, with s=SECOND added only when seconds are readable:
h=1 m=44
